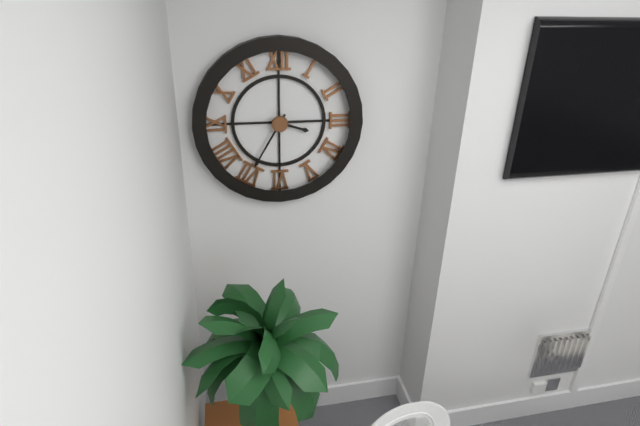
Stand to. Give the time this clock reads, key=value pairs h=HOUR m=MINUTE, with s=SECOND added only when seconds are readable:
h=3 m=35
